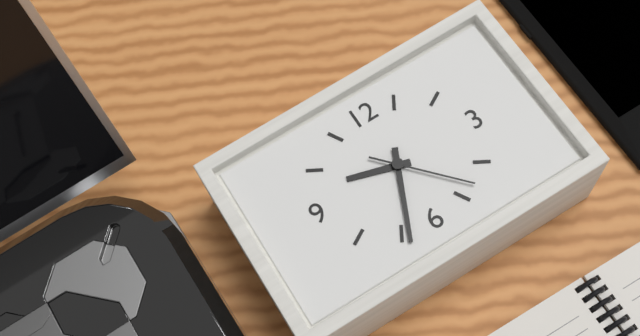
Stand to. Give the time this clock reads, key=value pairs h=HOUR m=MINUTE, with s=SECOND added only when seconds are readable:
h=9 m=34 s=23
